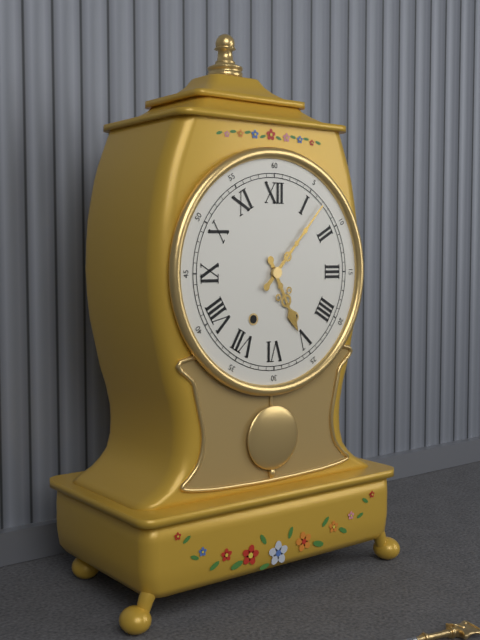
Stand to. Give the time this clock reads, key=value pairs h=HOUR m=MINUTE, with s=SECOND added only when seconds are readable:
h=5 m=7
